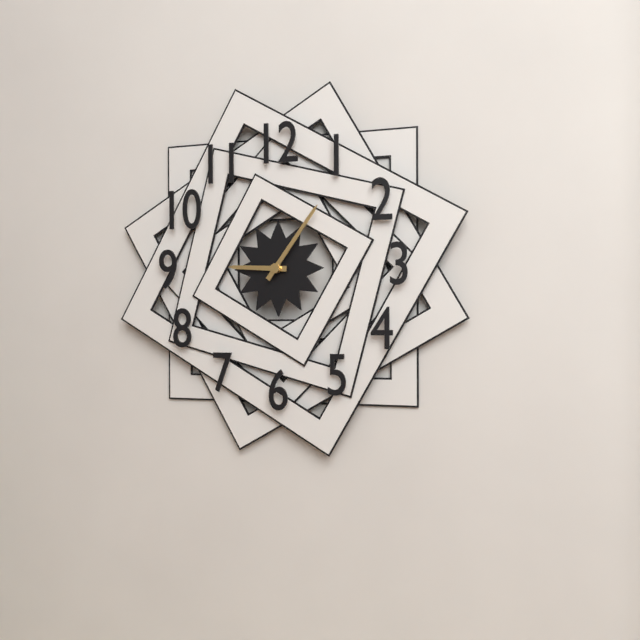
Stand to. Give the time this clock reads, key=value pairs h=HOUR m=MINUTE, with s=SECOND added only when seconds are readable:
h=9 m=6
